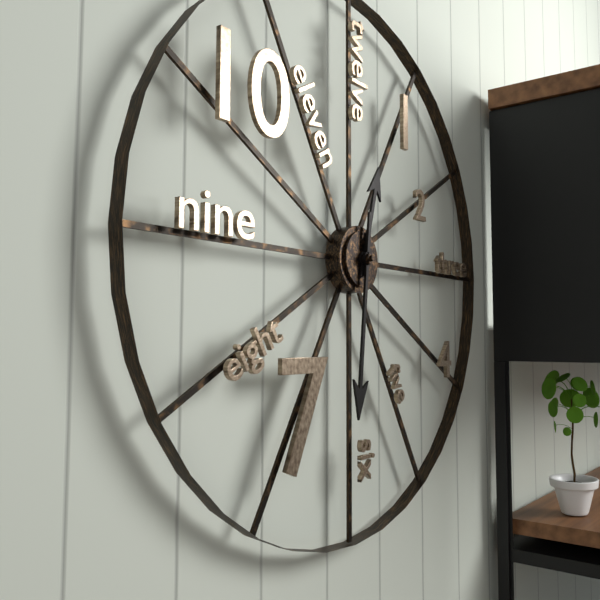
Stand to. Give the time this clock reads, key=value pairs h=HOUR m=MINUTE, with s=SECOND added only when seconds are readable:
h=12 m=31
